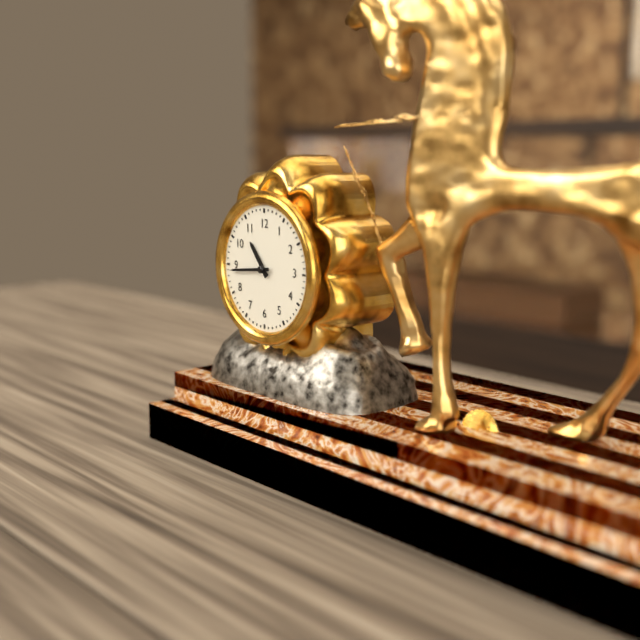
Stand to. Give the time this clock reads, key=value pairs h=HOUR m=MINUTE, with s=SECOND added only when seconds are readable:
h=10 m=44
